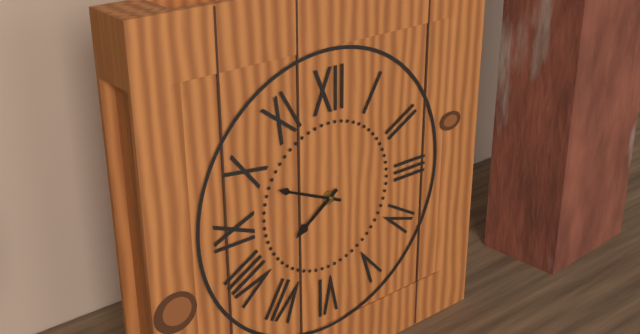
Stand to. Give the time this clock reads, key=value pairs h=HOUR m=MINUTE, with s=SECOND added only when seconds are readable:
h=7 m=49
